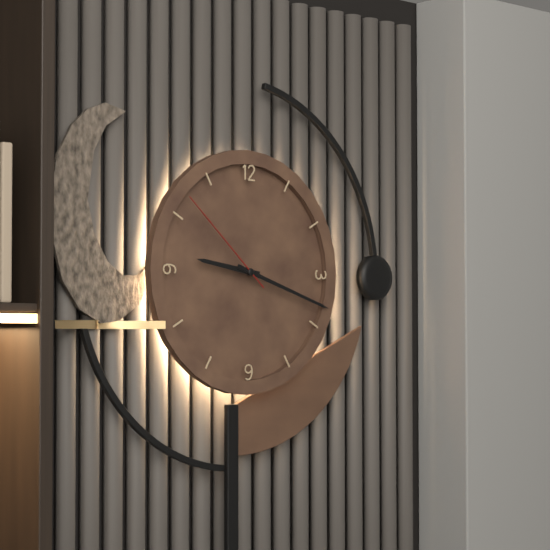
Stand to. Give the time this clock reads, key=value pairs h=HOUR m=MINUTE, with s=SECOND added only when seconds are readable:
h=9 m=18 s=52
